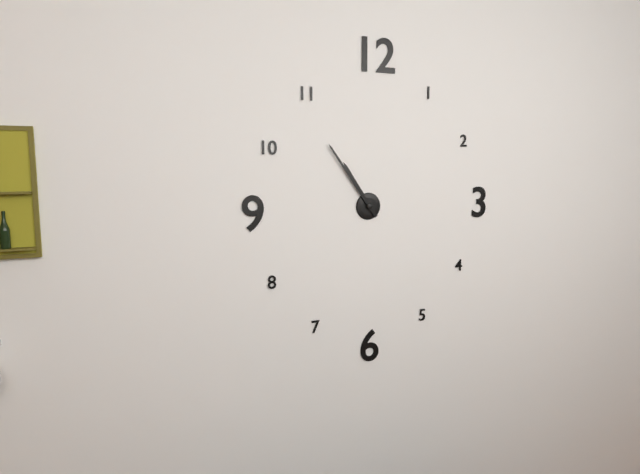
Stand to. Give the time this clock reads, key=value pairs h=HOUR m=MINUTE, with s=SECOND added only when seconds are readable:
h=10 m=54
